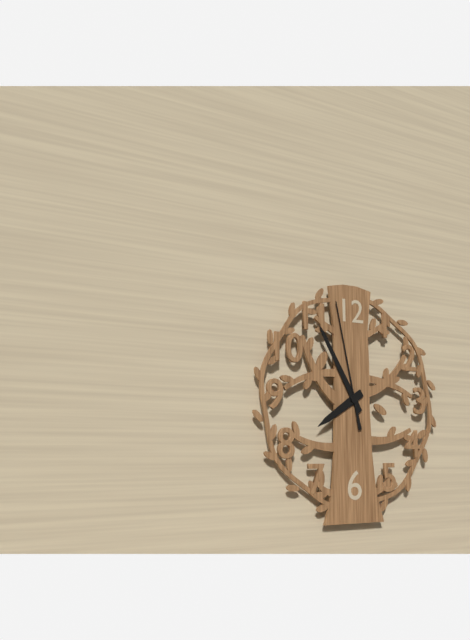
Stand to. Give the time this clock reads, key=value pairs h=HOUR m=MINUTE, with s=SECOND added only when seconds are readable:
h=7 m=55 s=58
